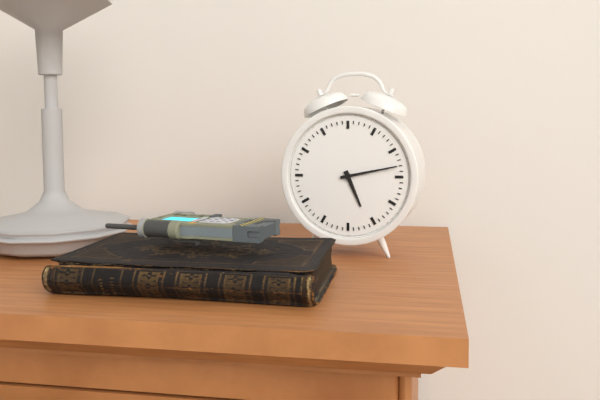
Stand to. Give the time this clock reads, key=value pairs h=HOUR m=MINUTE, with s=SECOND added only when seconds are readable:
h=5 m=13
